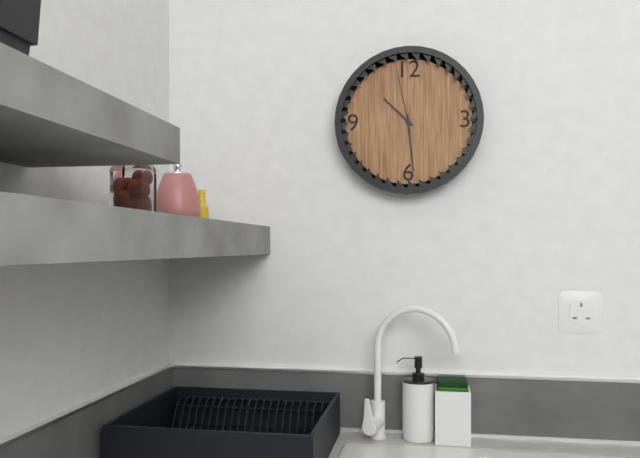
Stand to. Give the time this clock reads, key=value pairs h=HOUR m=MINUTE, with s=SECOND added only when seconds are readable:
h=10 m=29 s=58
